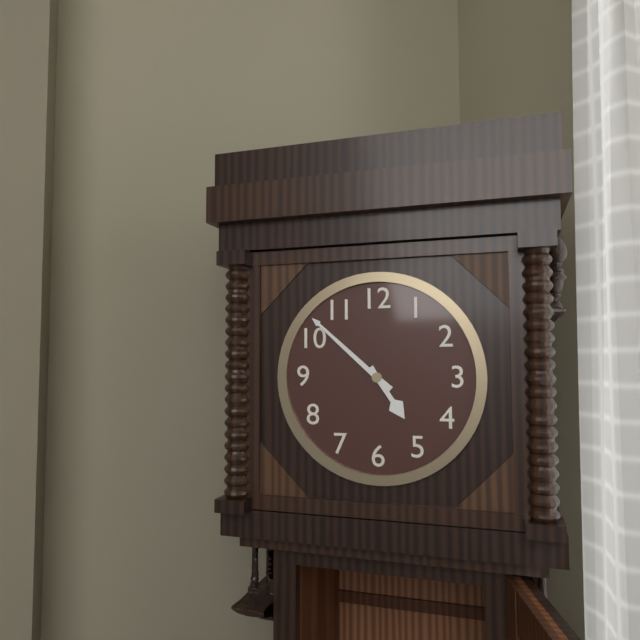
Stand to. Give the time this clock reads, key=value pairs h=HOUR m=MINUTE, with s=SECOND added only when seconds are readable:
h=4 m=52
